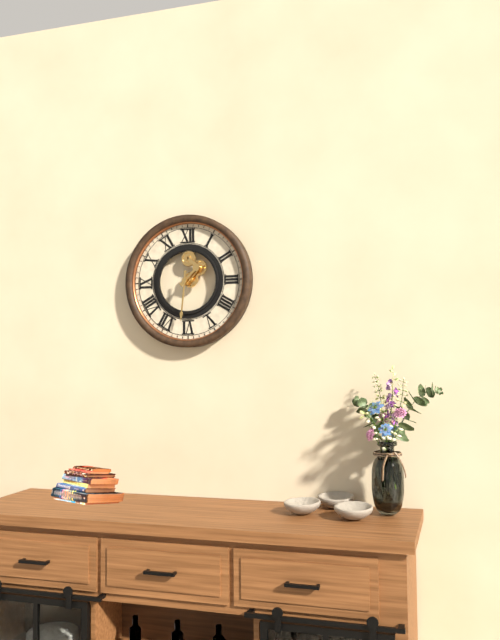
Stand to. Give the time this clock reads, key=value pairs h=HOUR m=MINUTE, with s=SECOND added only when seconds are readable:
h=1 m=31
